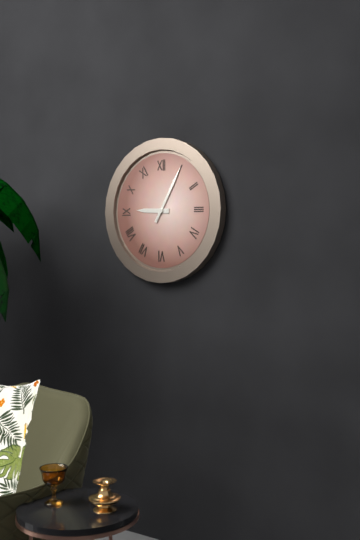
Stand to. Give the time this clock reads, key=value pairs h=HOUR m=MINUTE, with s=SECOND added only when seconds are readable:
h=9 m=5
